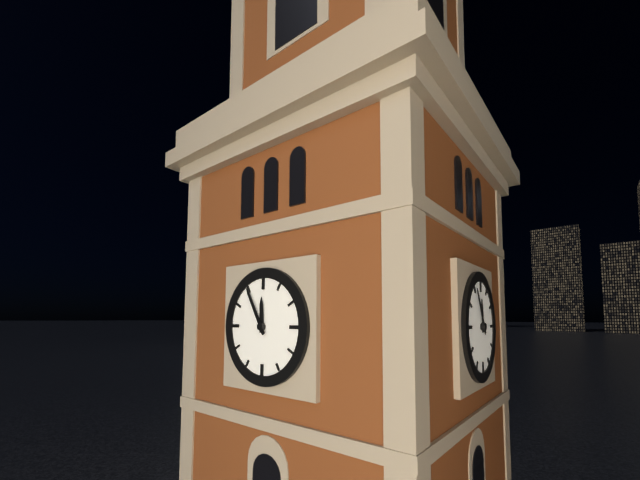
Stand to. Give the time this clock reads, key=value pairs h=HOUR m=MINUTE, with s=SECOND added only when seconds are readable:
h=11 m=55
